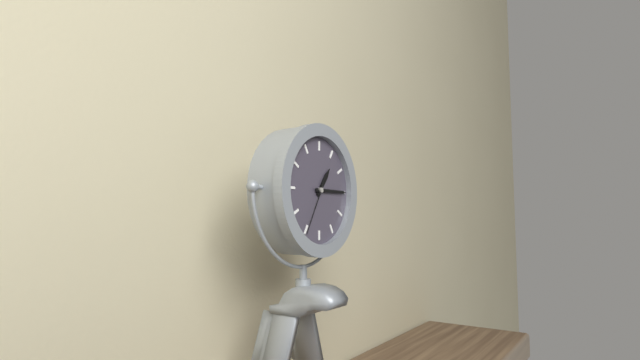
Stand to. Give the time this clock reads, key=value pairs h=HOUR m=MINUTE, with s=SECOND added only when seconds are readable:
h=1 m=15 s=35
